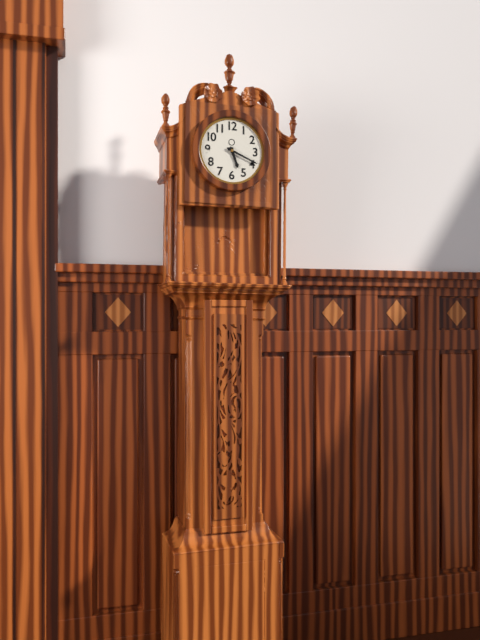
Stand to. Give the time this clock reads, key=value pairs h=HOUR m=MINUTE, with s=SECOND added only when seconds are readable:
h=5 m=19
